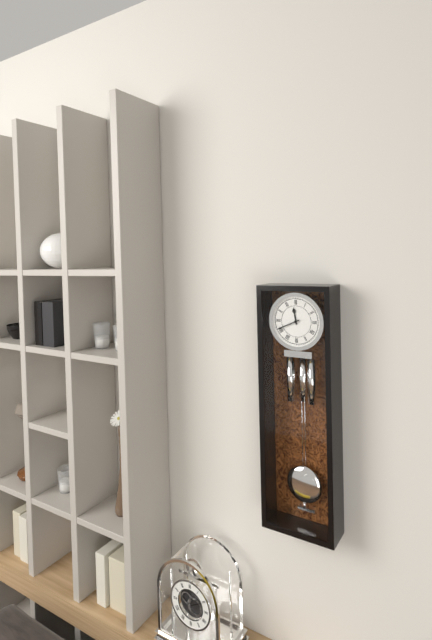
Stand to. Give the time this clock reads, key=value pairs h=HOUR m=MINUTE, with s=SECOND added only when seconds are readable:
h=11 m=41
